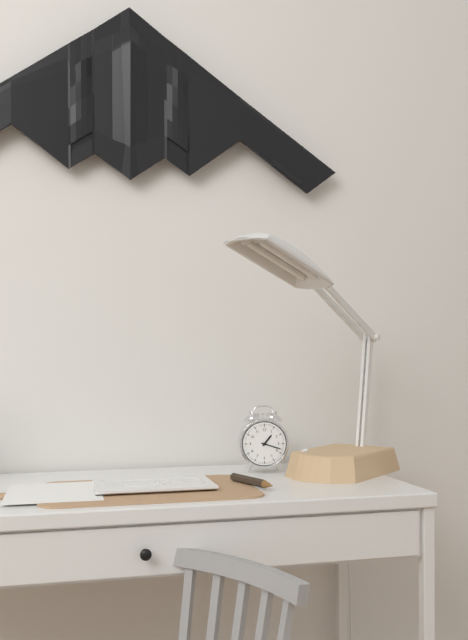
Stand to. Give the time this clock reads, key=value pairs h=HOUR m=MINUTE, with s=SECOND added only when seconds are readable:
h=1 m=18
